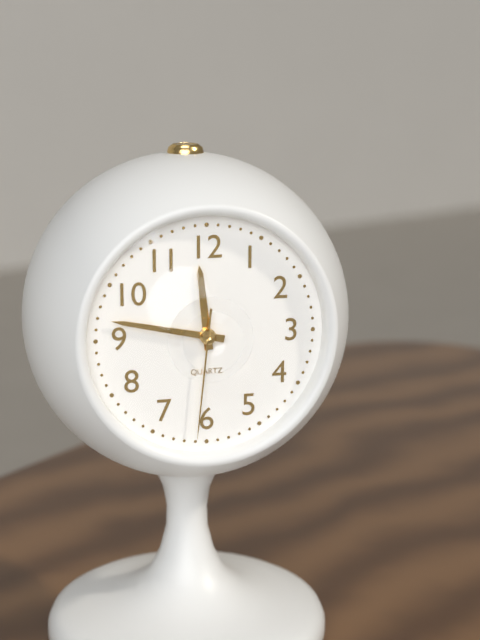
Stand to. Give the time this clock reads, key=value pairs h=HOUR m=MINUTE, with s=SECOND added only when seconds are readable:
h=11 m=47 s=31
